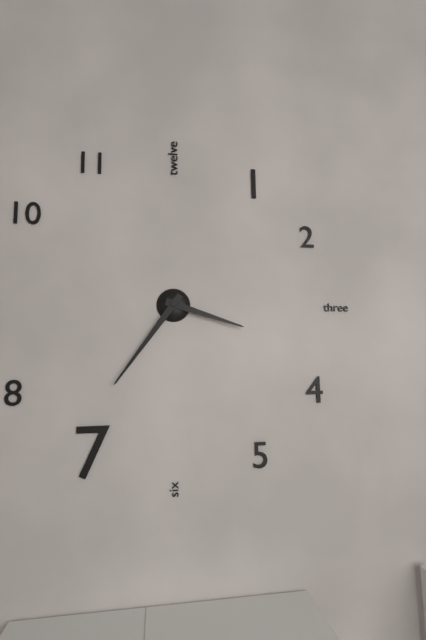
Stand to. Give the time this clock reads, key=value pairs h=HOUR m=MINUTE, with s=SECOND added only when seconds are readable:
h=3 m=36
